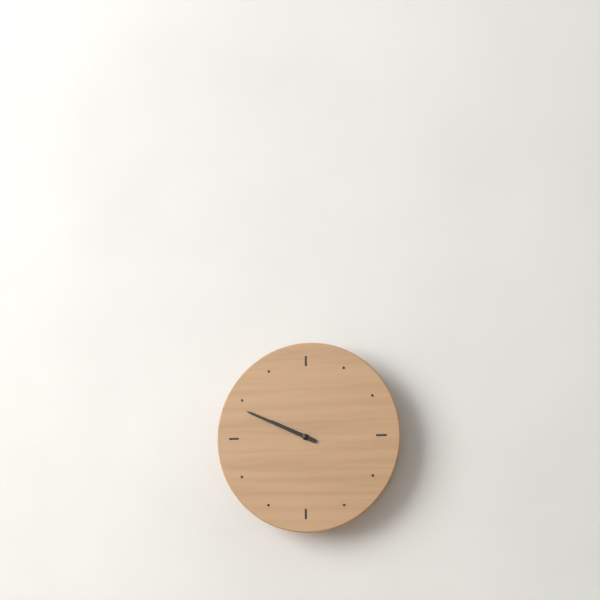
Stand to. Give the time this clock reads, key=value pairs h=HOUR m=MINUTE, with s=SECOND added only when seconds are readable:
h=9 m=49
